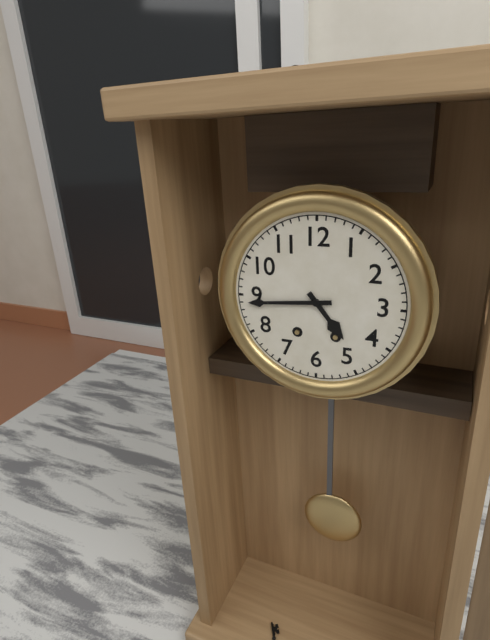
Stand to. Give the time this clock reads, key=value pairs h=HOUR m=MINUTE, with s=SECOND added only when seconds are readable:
h=4 m=44
